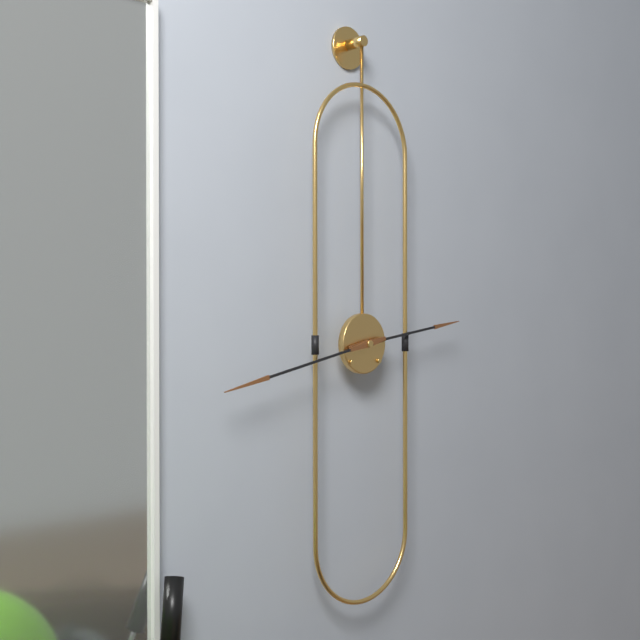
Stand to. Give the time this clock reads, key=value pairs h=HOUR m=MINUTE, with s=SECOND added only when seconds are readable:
h=2 m=43
